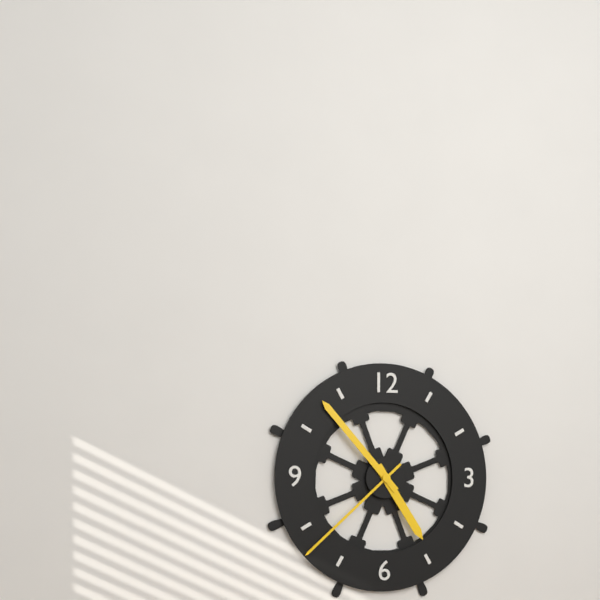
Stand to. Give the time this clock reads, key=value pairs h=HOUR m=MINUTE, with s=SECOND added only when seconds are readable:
h=4 m=53 s=38
